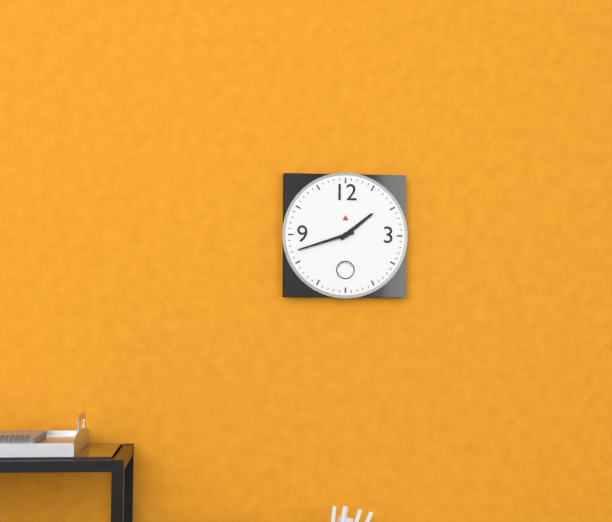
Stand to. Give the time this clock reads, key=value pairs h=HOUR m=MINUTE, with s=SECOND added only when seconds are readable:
h=1 m=42
